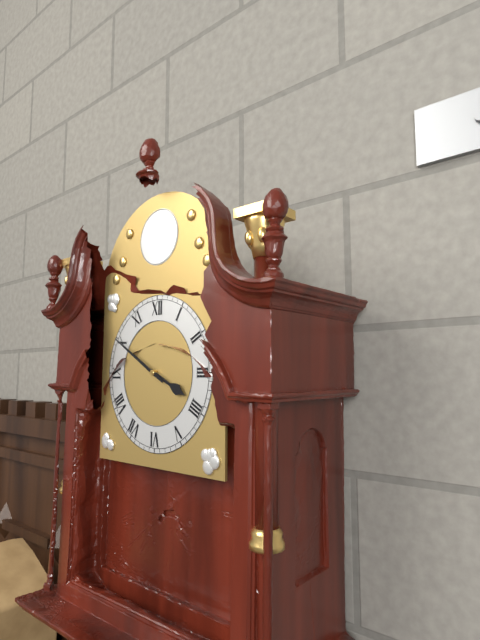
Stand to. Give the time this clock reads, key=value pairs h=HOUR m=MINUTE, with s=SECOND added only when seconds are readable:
h=3 m=50
